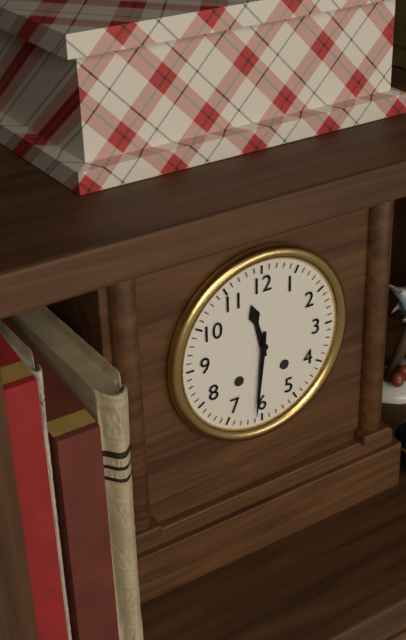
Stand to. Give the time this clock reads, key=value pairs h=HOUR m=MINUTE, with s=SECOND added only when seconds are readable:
h=11 m=31
